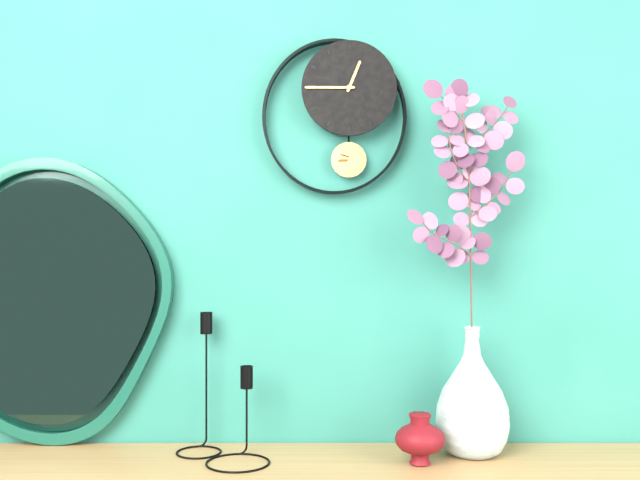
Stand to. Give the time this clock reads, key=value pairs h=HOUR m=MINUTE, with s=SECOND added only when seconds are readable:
h=12 m=45
